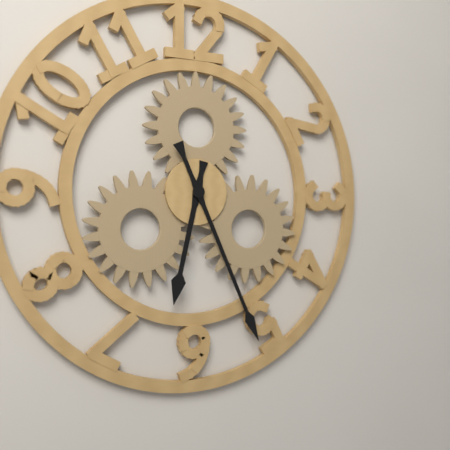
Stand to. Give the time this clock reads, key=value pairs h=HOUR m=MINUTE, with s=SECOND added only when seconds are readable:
h=6 m=26
